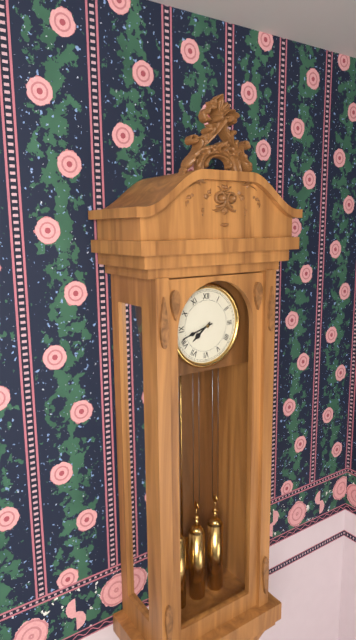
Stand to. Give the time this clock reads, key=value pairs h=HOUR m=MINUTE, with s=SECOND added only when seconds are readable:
h=7 m=42
